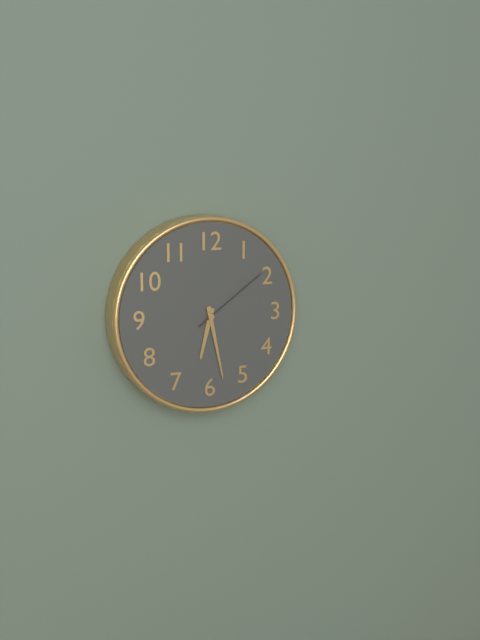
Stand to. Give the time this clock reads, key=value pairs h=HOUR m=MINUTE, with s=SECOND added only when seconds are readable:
h=6 m=28 s=9
